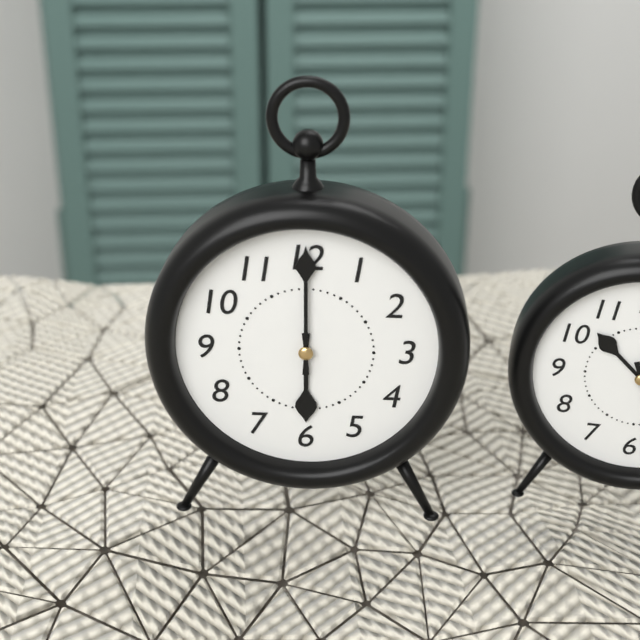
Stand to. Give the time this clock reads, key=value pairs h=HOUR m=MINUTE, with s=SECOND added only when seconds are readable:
h=6 m=0
